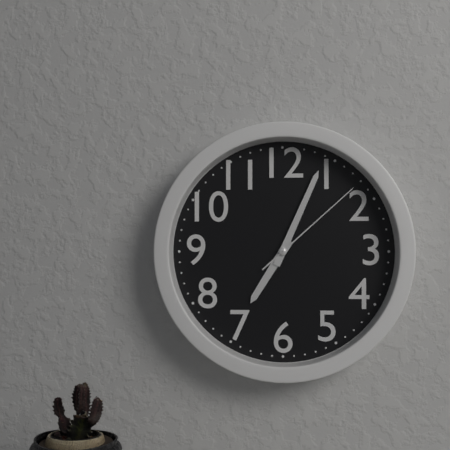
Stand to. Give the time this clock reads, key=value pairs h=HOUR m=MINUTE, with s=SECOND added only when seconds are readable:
h=7 m=4 s=8
